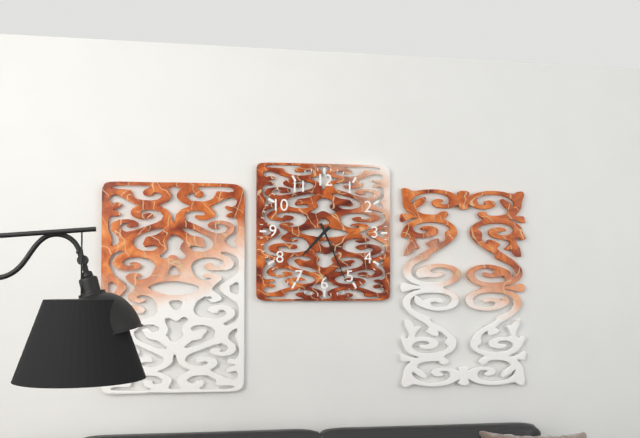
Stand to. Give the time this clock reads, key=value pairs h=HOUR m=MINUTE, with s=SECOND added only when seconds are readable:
h=7 m=26
